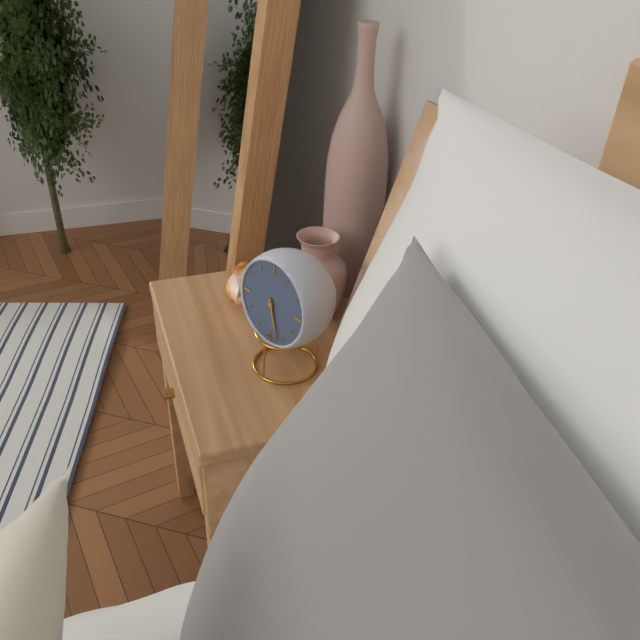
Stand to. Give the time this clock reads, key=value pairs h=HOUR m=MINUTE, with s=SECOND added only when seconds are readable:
h=5 m=27
